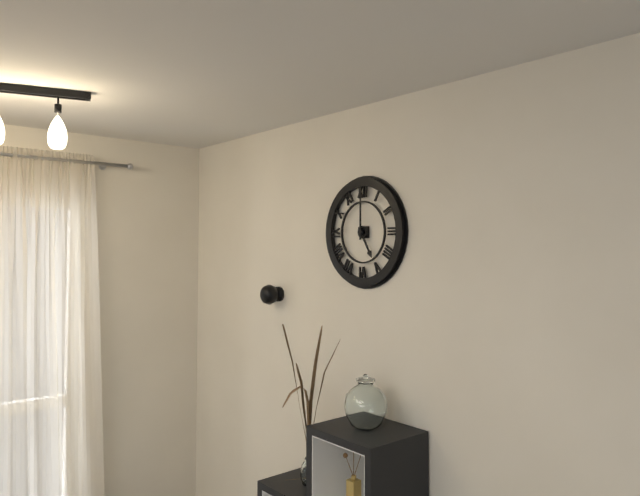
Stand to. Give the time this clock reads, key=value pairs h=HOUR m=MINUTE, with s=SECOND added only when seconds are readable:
h=5 m=0
